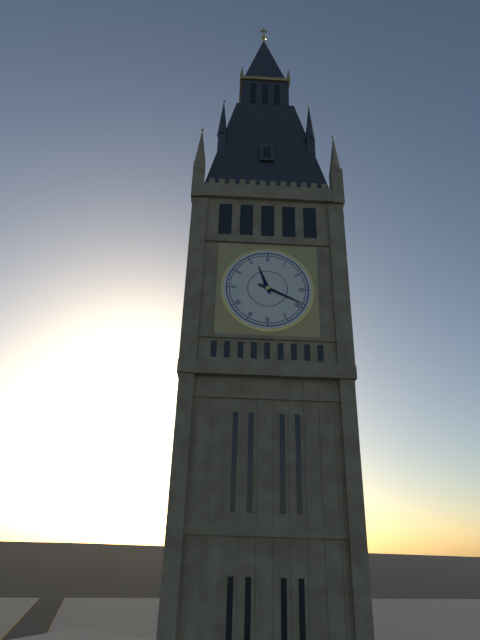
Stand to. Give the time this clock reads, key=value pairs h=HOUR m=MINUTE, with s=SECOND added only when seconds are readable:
h=11 m=19
